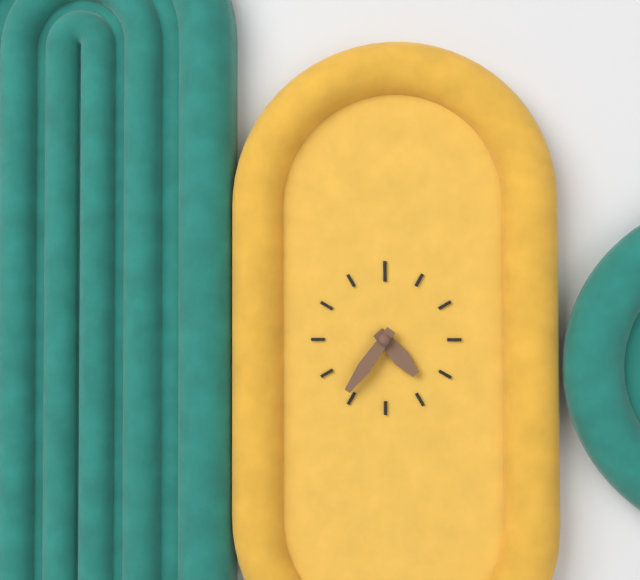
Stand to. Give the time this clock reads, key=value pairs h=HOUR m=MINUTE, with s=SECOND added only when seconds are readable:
h=4 m=36
